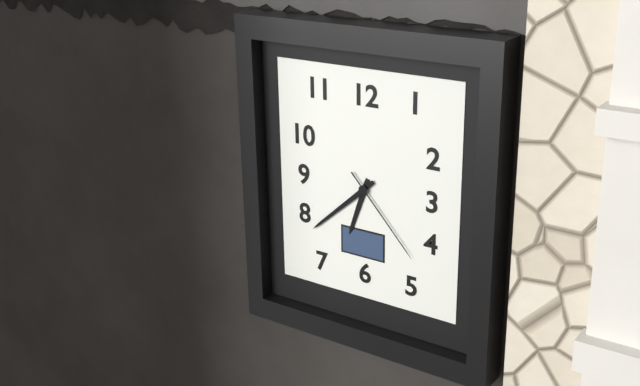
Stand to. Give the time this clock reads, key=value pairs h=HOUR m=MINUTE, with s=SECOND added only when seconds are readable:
h=6 m=38 s=23
